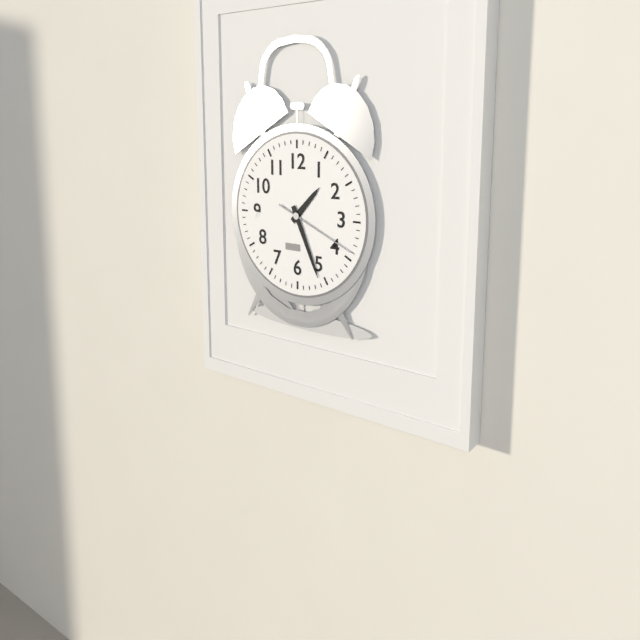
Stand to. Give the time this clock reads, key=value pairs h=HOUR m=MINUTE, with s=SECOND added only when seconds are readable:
h=1 m=26 s=19
